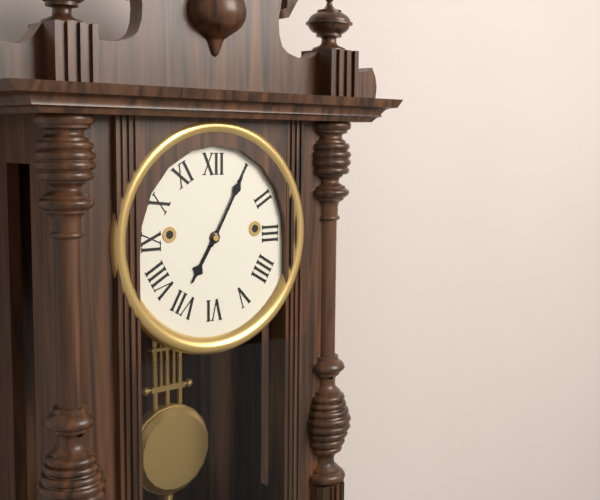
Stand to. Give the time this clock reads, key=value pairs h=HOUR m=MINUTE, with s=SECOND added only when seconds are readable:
h=7 m=5
